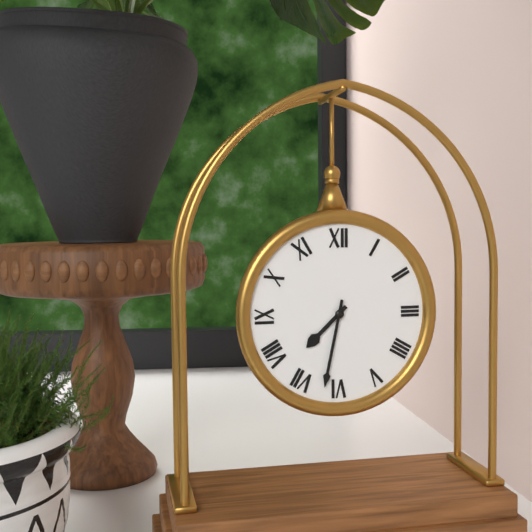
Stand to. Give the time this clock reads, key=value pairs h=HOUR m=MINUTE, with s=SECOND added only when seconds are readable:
h=7 m=32
